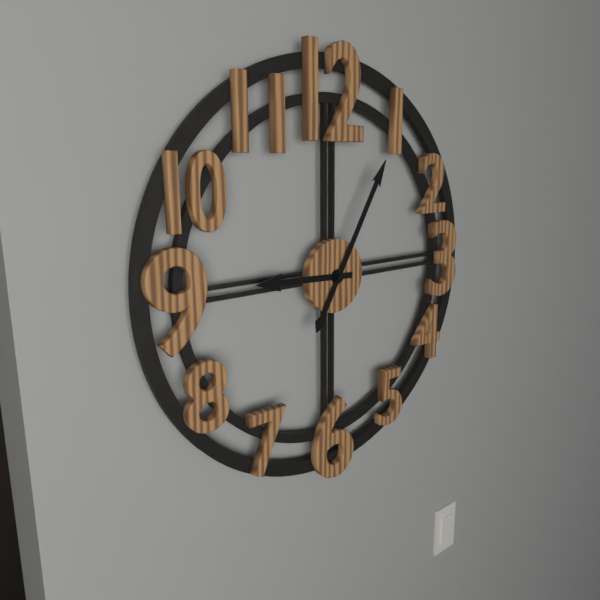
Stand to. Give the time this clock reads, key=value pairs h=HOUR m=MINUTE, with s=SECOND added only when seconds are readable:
h=9 m=5
